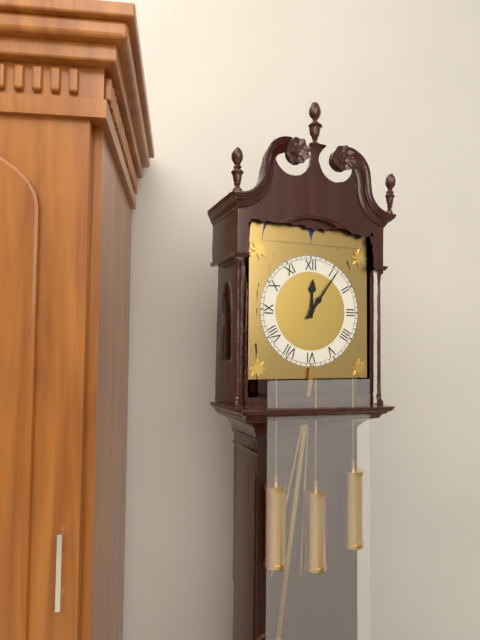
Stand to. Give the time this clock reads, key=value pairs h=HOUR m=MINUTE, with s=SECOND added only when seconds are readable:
h=12 m=6
